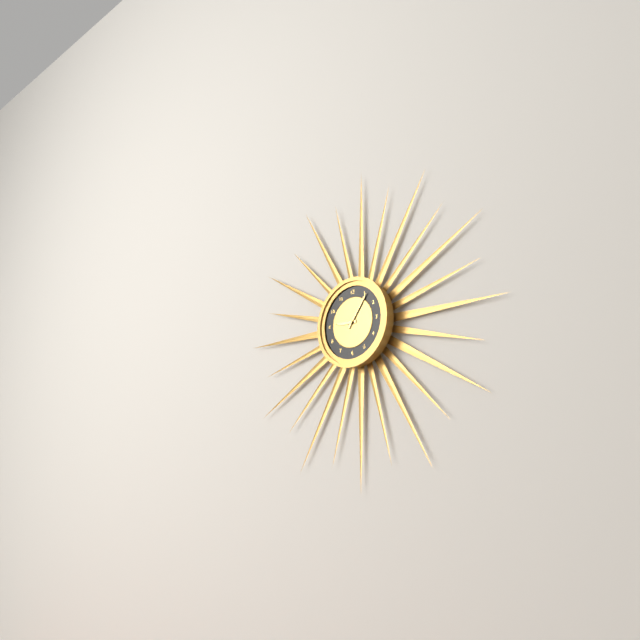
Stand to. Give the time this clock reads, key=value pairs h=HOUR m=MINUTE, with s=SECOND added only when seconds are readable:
h=9 m=6
